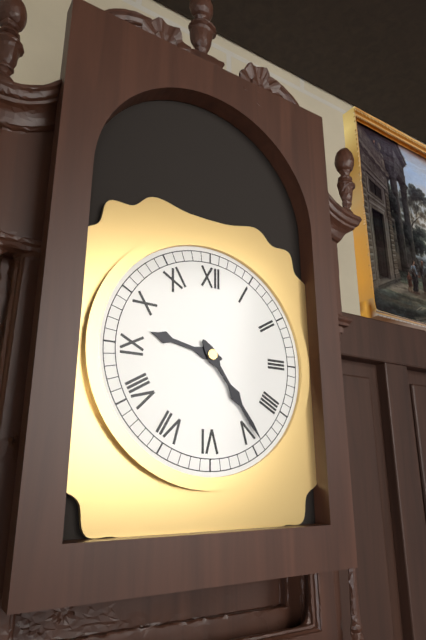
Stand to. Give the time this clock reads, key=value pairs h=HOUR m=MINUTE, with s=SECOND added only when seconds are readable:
h=9 m=24
